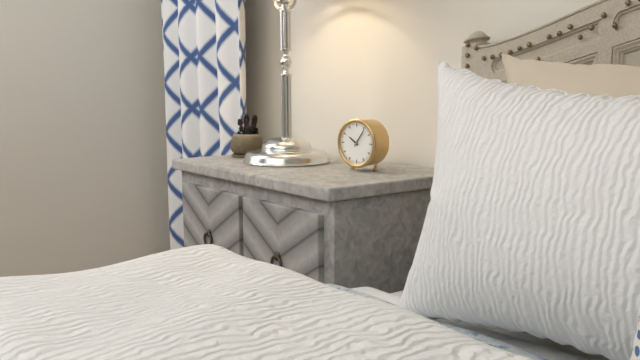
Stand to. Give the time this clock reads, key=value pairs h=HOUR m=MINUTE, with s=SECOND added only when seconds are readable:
h=10 m=6
